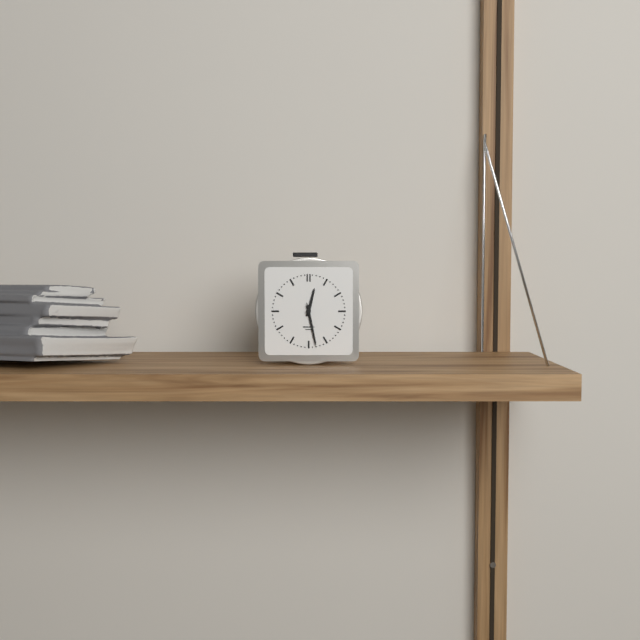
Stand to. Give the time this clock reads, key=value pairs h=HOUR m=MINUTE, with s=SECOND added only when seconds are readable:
h=12 m=28
